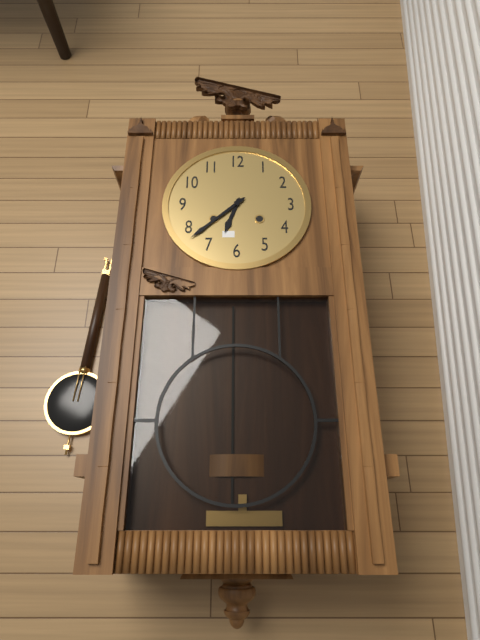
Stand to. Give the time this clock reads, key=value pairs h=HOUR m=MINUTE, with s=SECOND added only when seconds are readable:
h=6 m=38
